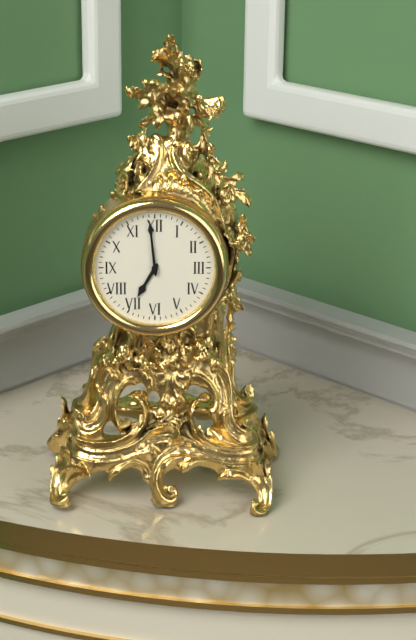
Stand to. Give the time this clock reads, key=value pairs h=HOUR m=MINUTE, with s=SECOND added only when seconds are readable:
h=6 m=59
